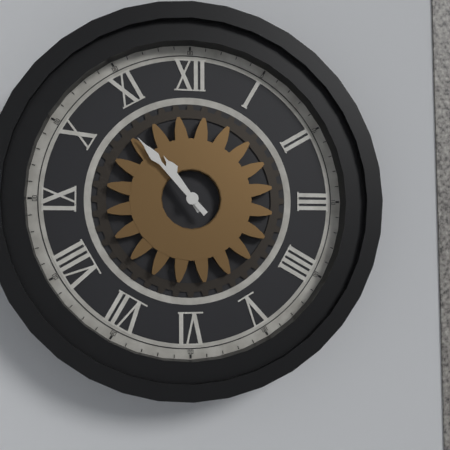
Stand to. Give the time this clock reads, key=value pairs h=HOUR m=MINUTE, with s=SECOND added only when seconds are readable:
h=10 m=53
